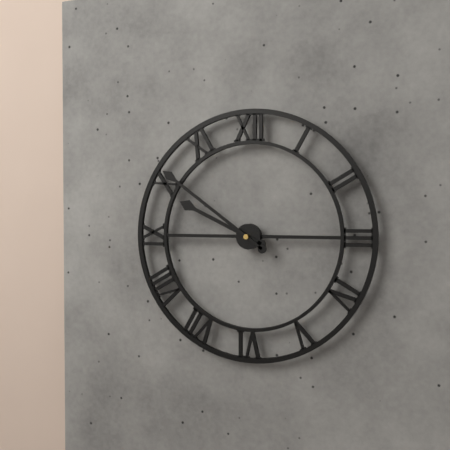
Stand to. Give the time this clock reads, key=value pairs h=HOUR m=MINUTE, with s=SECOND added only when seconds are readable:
h=9 m=51
